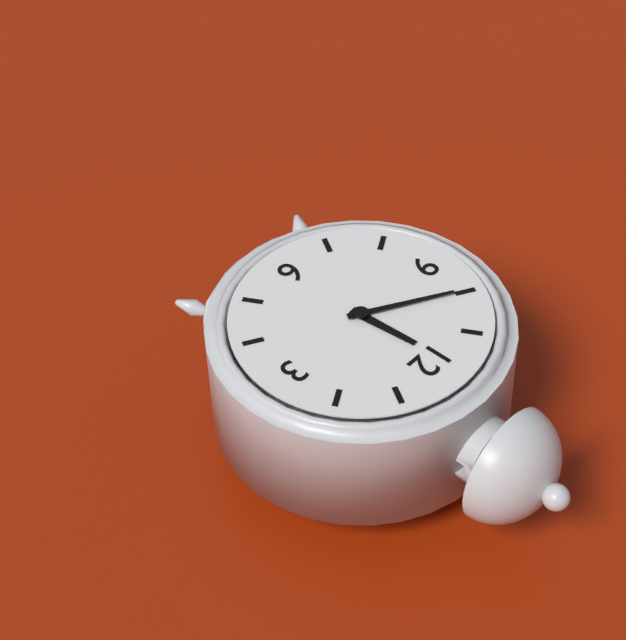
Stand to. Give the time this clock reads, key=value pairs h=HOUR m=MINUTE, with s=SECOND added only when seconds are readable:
h=11 m=50
